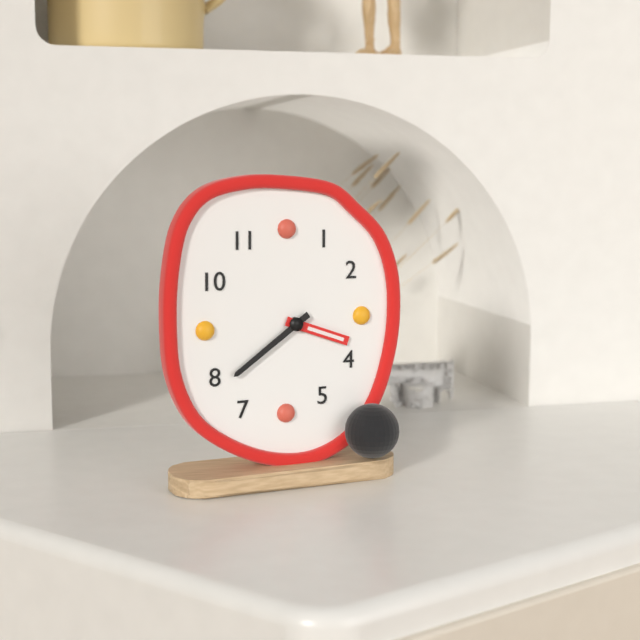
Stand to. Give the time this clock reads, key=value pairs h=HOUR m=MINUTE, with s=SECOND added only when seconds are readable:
h=3 m=39
